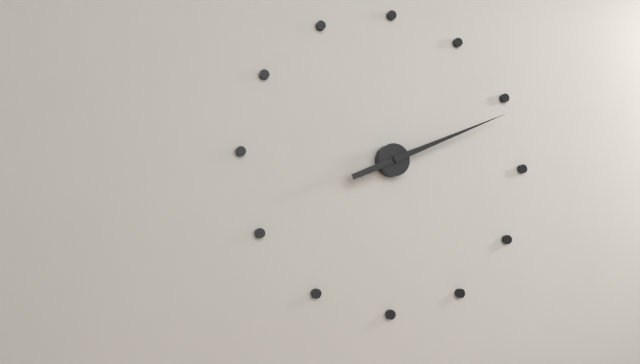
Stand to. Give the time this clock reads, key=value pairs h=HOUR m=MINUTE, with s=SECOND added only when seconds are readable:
h=2 m=11
